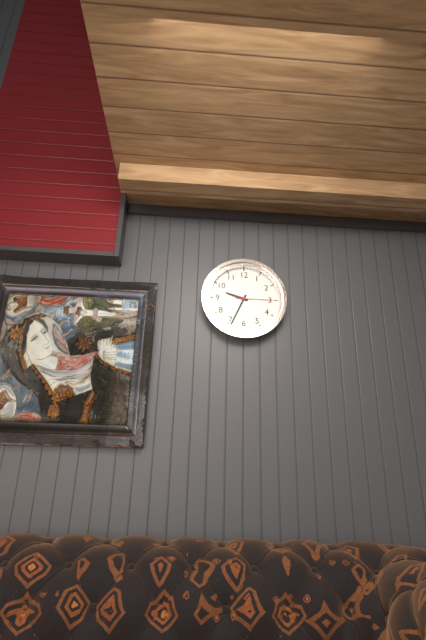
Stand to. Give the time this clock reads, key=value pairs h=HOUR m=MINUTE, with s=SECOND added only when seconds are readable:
h=9 m=34
